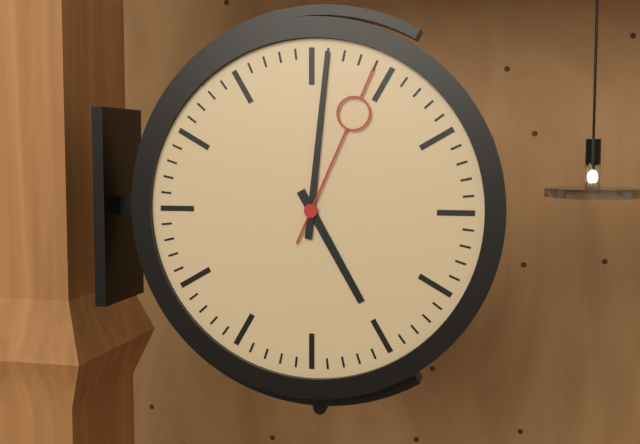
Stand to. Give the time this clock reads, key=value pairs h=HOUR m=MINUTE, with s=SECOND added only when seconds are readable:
h=5 m=1 s=4
